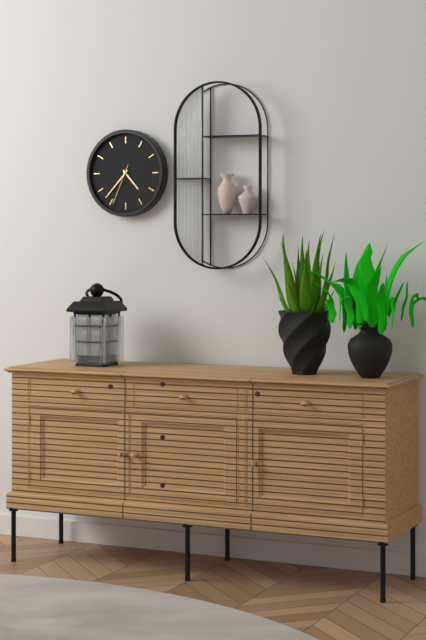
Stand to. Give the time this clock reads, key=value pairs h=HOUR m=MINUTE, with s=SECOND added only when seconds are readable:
h=4 m=37
